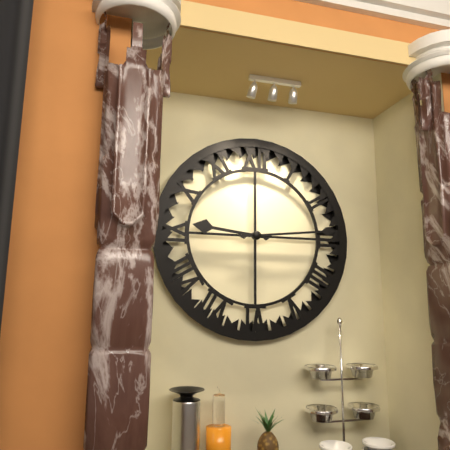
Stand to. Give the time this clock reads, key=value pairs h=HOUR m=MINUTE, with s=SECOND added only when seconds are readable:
h=9 m=14
